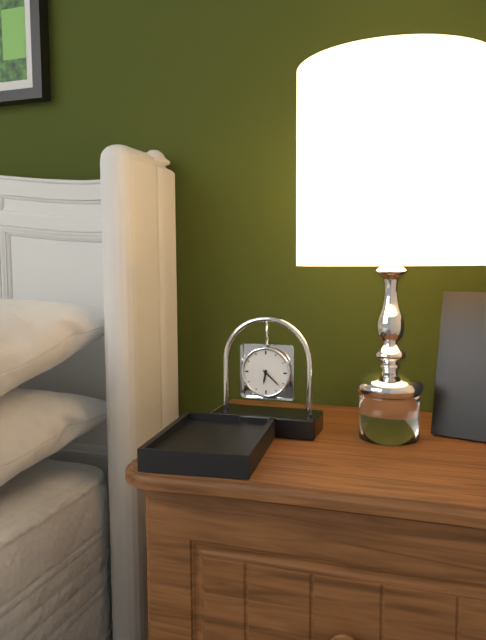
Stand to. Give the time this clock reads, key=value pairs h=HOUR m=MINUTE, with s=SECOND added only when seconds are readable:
h=6 m=22
